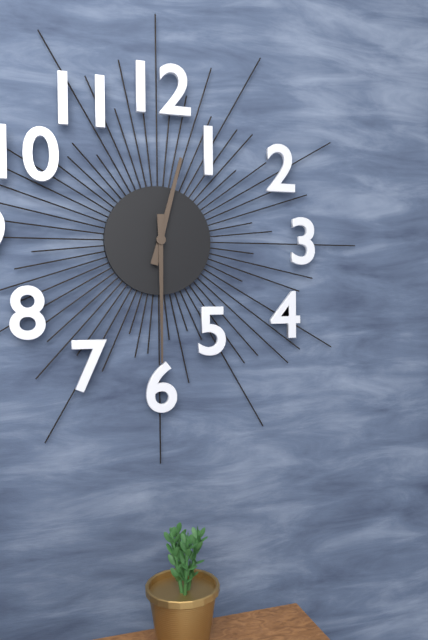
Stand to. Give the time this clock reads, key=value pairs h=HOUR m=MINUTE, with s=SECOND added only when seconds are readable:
h=12 m=30
